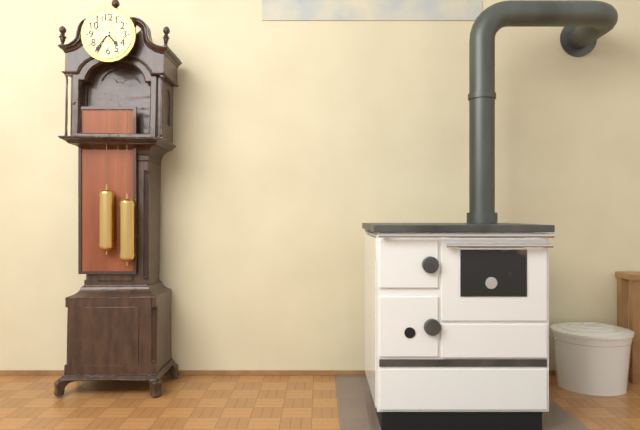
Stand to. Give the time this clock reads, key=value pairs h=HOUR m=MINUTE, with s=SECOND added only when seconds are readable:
h=4 m=36
